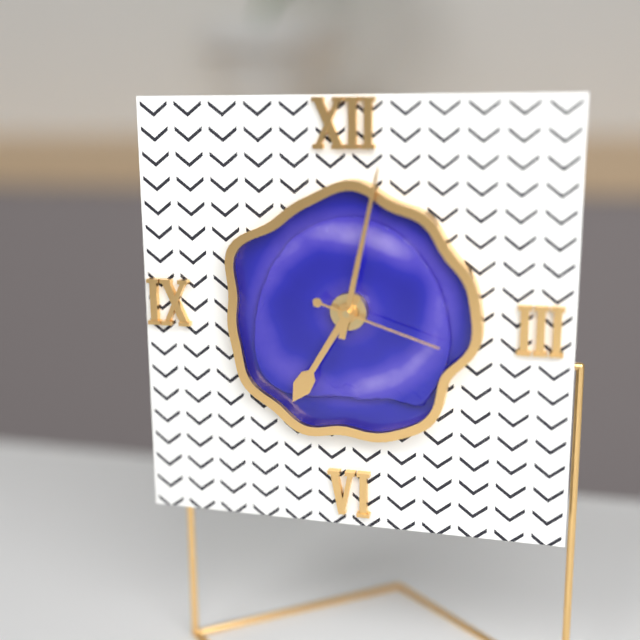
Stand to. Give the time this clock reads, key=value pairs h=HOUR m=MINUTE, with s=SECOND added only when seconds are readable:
h=7 m=2 s=18
